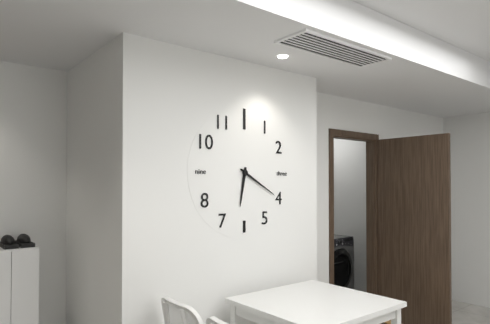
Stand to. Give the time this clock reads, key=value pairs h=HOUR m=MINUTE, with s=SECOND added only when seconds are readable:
h=6 m=20
